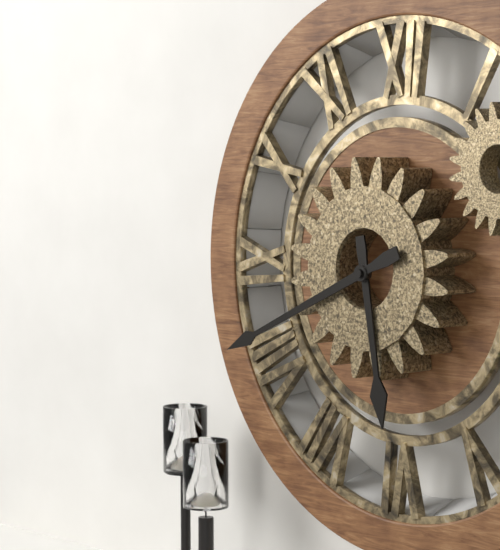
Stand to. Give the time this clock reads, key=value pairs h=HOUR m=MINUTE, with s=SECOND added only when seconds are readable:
h=5 m=41
